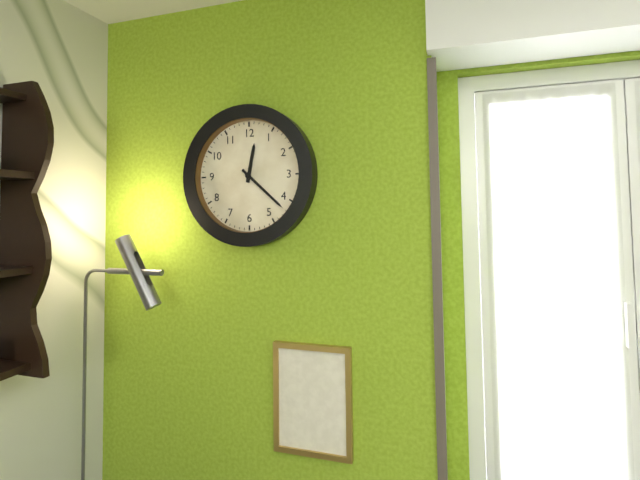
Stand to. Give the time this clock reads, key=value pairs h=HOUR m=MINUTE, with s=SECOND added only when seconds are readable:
h=12 m=22
